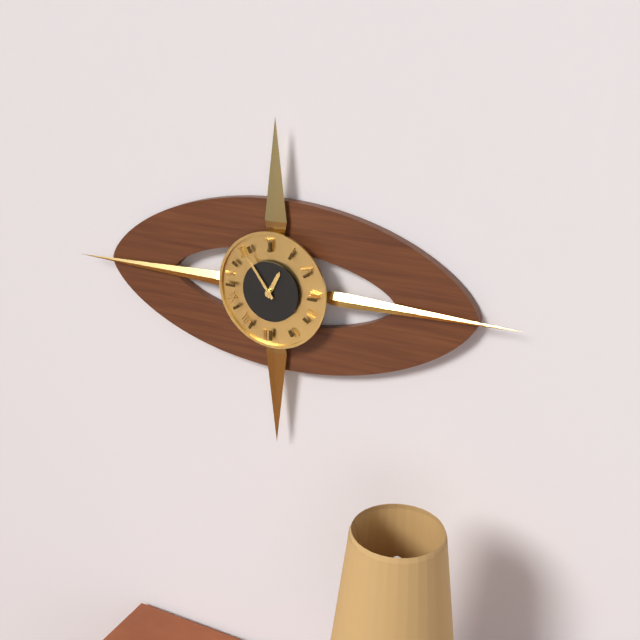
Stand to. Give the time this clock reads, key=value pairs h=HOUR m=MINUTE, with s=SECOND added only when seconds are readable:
h=12 m=54
